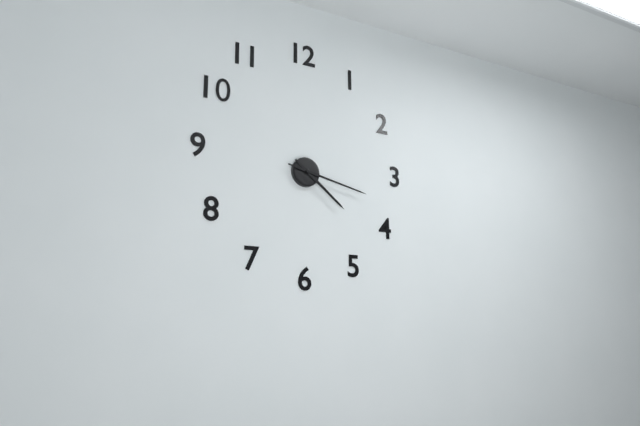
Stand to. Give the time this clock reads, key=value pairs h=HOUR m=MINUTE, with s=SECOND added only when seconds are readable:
h=4 m=17
